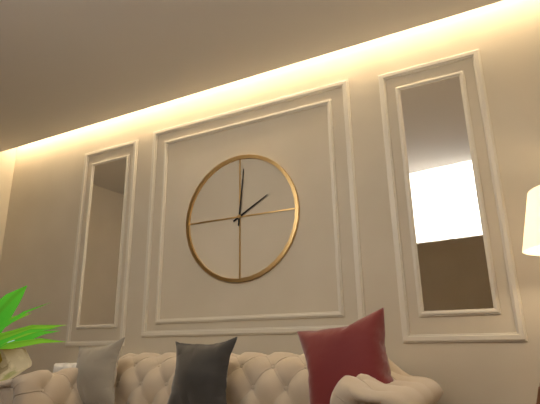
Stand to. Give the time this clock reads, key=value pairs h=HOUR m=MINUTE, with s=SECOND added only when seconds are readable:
h=2 m=1
